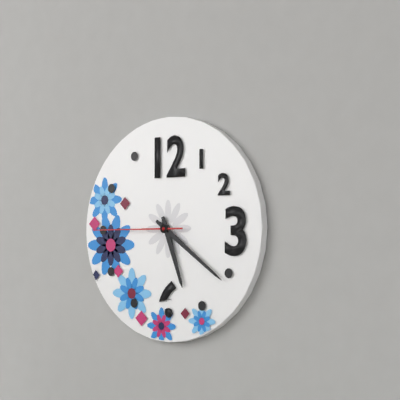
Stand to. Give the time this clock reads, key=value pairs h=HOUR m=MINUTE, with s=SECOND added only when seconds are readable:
h=5 m=21 s=45
